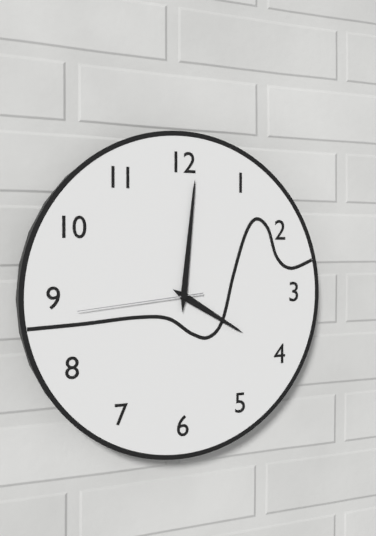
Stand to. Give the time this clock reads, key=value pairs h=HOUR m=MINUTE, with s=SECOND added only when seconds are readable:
h=4 m=1 s=44
